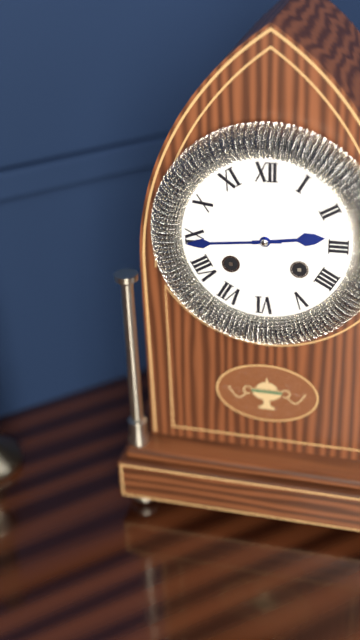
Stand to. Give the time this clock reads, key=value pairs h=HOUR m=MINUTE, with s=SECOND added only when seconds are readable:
h=2 m=44
